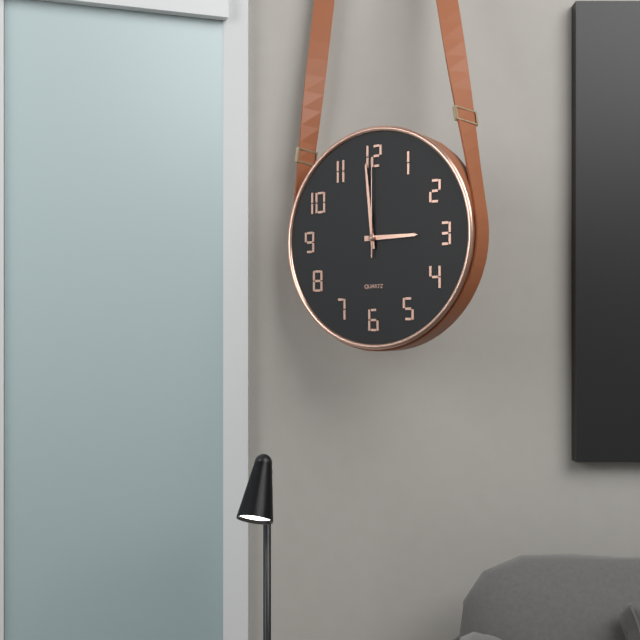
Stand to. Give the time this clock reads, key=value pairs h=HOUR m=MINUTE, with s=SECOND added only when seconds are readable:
h=2 m=59 s=0
